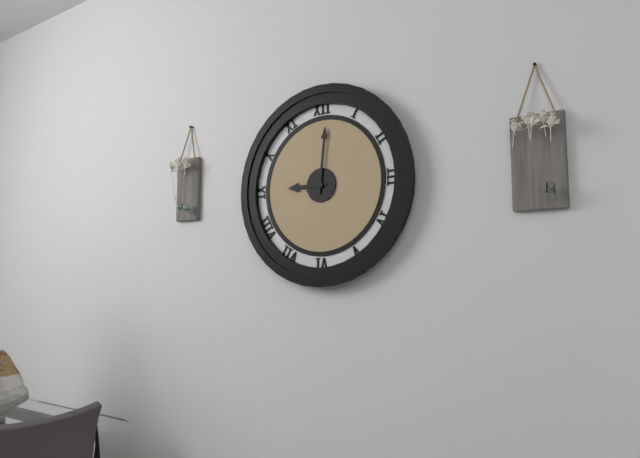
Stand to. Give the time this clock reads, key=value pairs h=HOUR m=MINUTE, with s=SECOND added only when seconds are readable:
h=9 m=1
